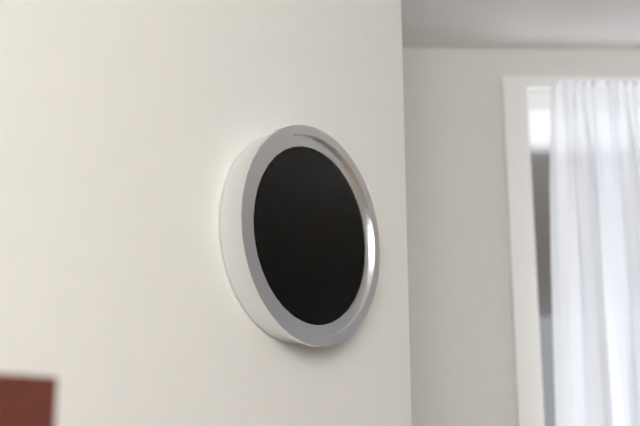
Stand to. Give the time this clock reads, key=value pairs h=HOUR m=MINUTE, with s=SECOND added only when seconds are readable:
h=4 m=23 s=47
